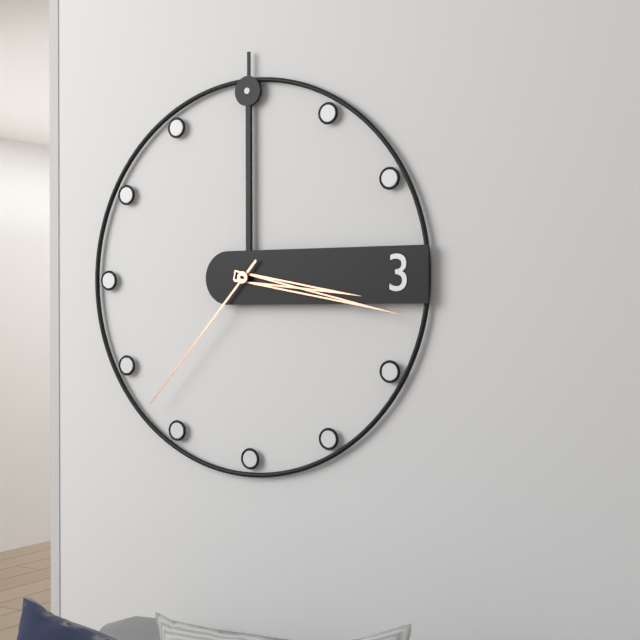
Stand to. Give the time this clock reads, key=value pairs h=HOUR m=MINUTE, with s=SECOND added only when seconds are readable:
h=3 m=17 s=37
